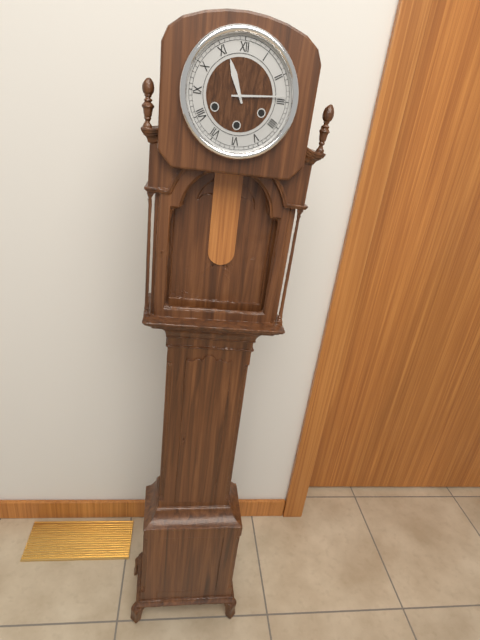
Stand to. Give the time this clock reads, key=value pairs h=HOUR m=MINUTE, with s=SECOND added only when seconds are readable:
h=11 m=14
